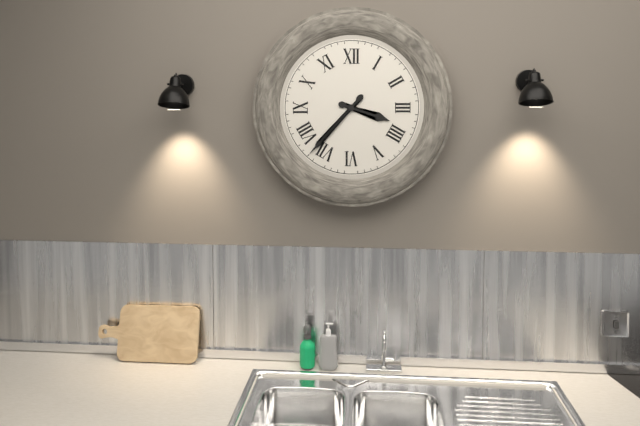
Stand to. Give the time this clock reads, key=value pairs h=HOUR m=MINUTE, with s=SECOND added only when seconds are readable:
h=3 m=37
